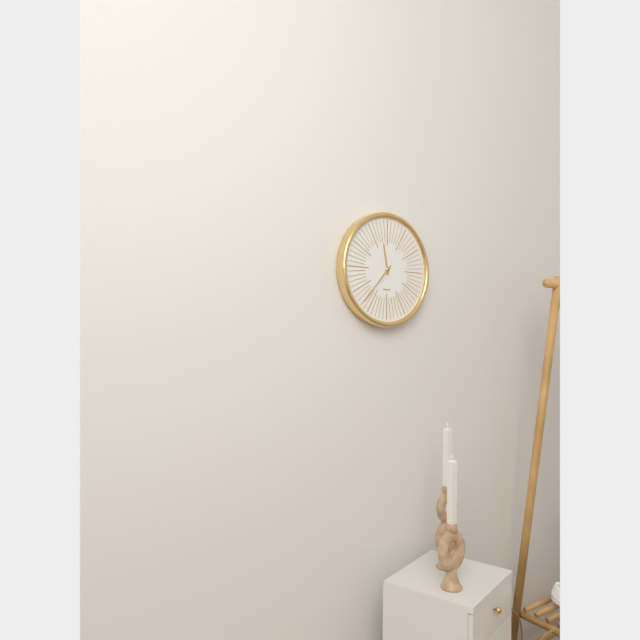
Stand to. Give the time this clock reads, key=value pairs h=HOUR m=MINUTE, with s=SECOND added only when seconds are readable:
h=11 m=37
